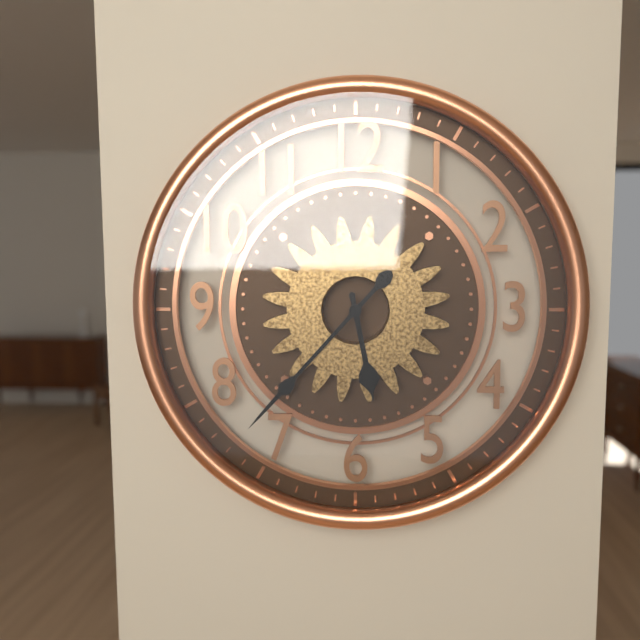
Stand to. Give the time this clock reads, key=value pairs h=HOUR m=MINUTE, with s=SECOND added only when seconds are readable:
h=5 m=37
